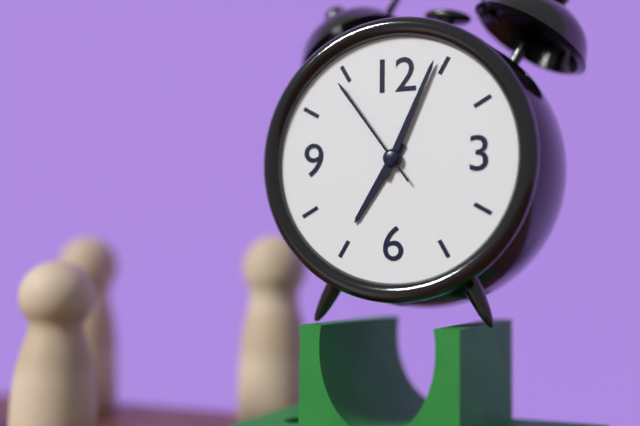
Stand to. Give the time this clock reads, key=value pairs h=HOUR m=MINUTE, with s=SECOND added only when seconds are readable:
h=7 m=4 s=54
